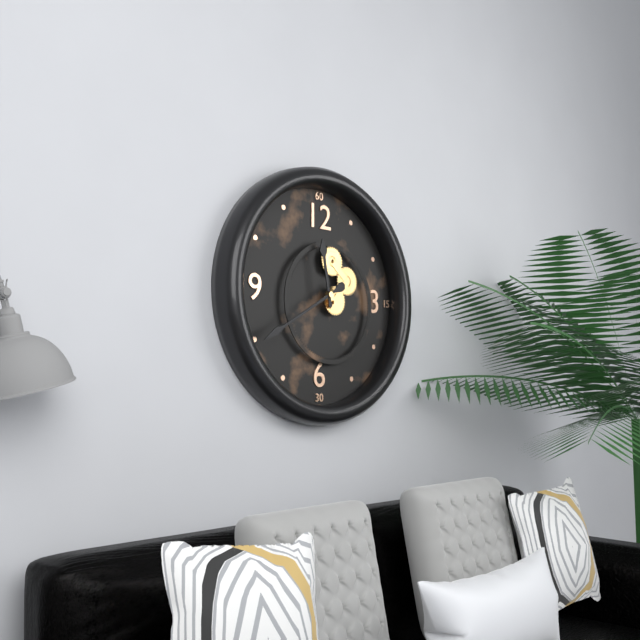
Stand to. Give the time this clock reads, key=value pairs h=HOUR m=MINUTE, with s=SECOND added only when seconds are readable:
h=11 m=40
